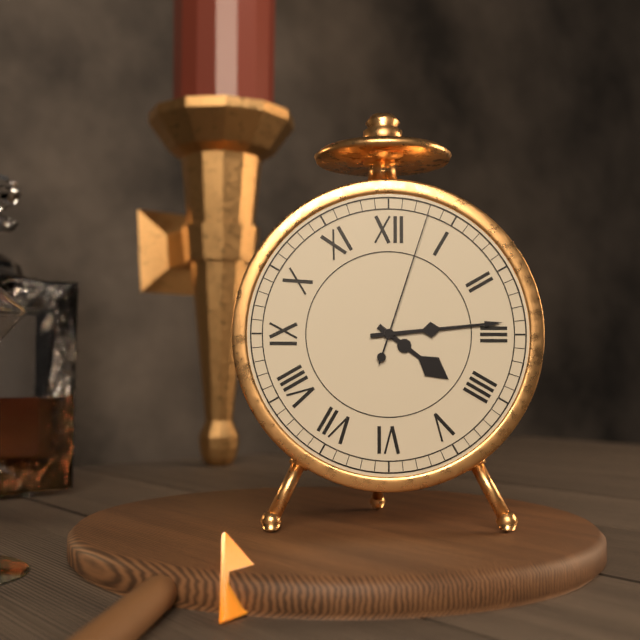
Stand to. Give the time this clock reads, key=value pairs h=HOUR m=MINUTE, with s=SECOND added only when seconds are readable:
h=4 m=14 s=3
